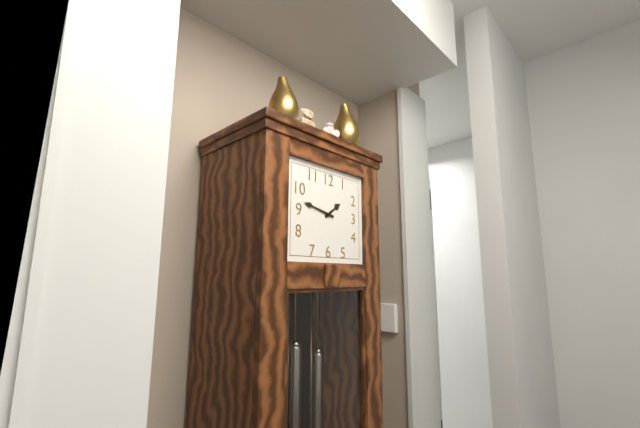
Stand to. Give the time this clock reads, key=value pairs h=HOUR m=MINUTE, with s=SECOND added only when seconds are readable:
h=1 m=47
